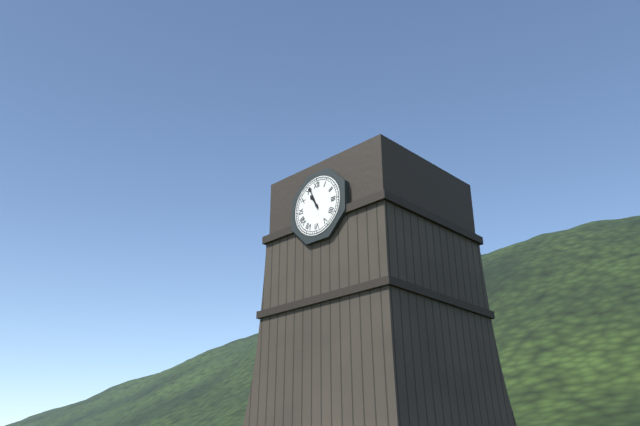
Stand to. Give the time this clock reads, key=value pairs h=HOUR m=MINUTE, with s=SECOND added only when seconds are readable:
h=10 m=56
